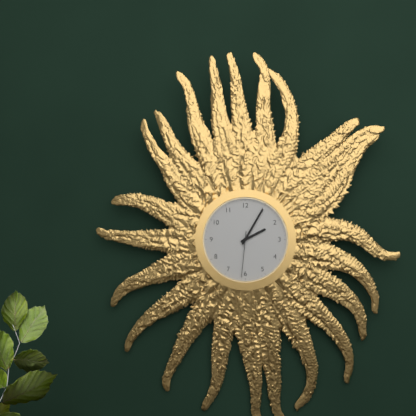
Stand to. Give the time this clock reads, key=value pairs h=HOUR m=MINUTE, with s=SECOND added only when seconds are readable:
h=2 m=5
